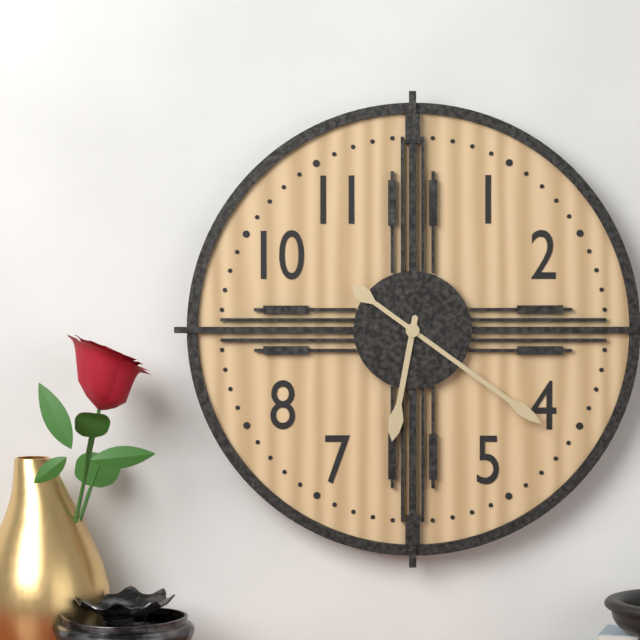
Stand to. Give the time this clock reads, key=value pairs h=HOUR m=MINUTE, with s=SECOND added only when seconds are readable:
h=6 m=21
